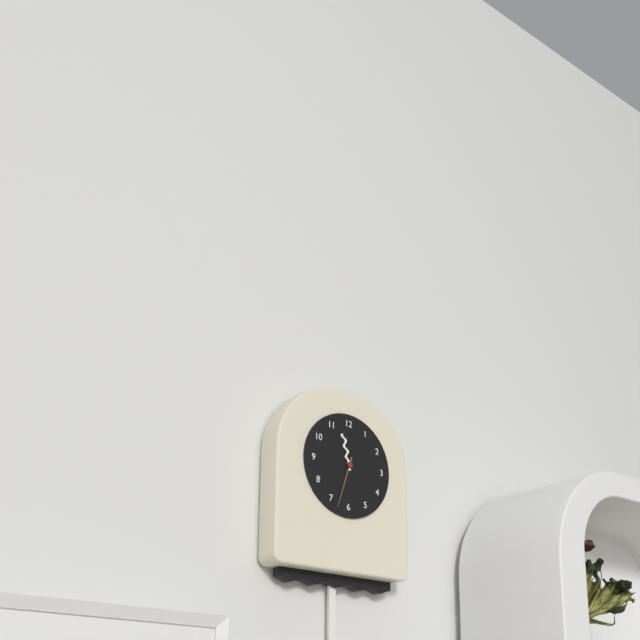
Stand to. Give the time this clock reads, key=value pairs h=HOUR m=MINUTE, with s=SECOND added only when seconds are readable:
h=11 m=33
